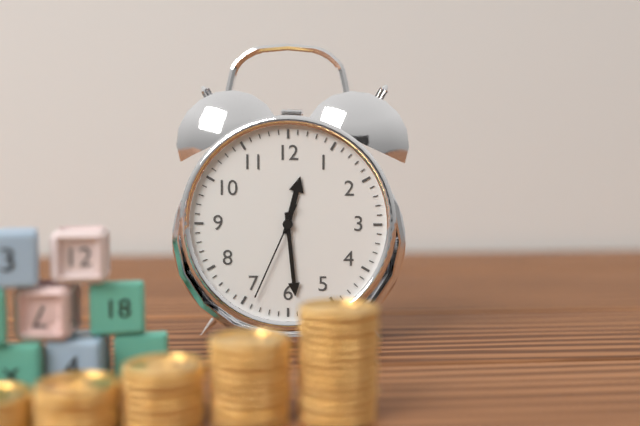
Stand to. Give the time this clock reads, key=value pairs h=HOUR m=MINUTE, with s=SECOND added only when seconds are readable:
h=12 m=29 s=34
